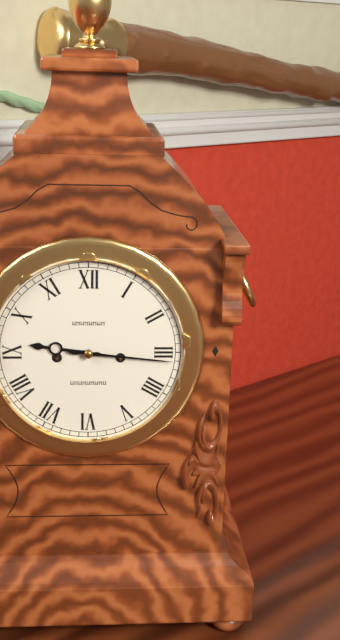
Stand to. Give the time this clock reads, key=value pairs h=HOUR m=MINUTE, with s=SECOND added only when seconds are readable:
h=9 m=16
